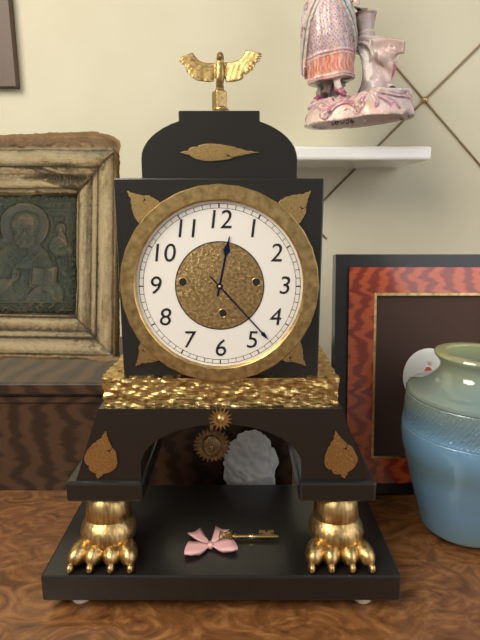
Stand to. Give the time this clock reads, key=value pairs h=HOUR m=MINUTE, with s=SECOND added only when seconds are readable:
h=12 m=23
